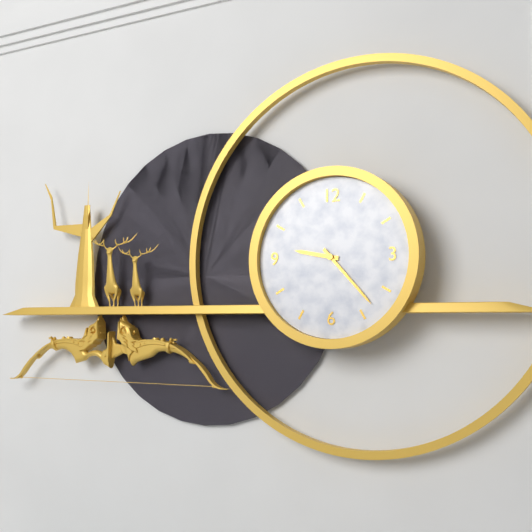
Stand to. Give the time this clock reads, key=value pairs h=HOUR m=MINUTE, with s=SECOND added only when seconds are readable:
h=9 m=23
